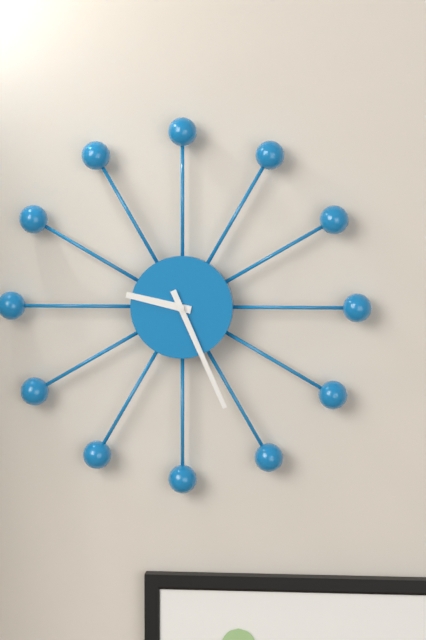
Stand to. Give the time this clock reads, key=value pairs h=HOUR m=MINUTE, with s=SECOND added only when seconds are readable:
h=9 m=26
